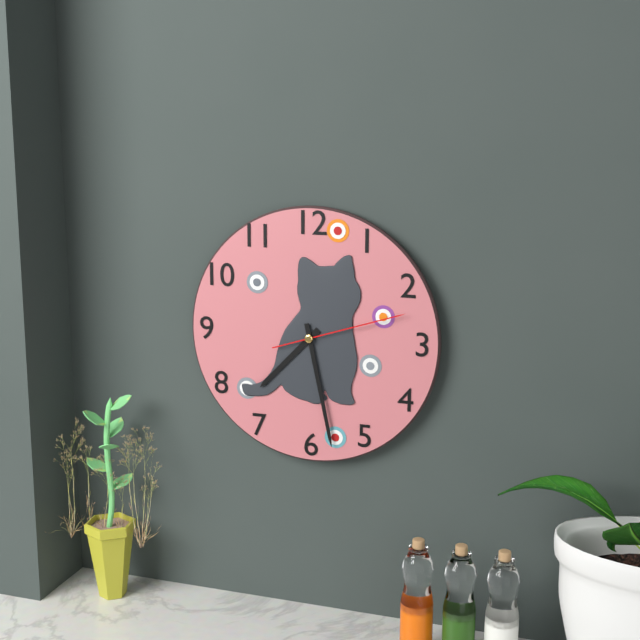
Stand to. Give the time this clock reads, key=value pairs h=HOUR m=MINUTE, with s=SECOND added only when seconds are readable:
h=7 m=28 s=12
